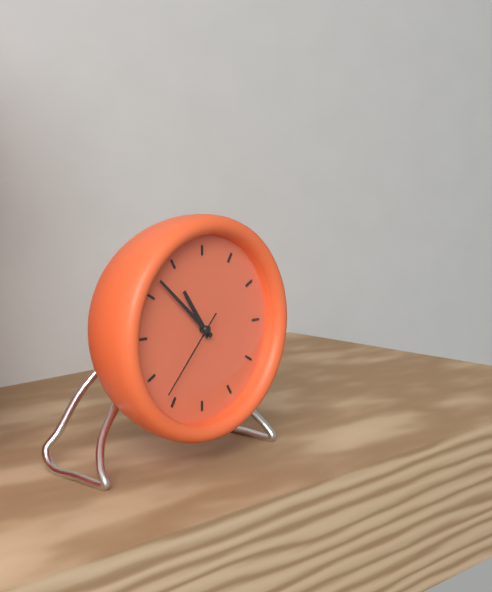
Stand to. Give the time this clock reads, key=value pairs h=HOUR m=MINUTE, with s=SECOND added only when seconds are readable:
h=10 m=52 s=37
